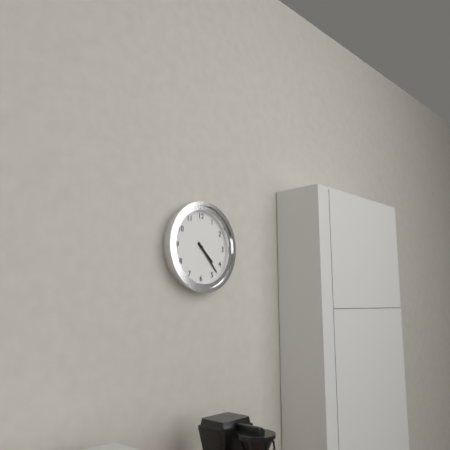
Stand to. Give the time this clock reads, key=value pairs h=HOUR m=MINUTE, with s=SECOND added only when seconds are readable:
h=4 m=23
